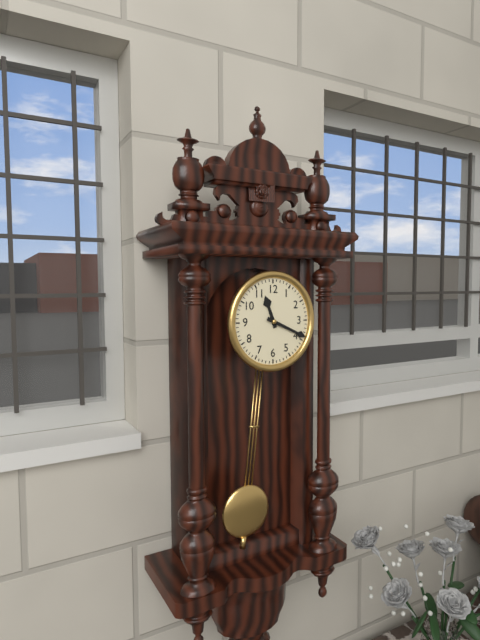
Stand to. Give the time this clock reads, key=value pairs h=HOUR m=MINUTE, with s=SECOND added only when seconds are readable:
h=11 m=19
